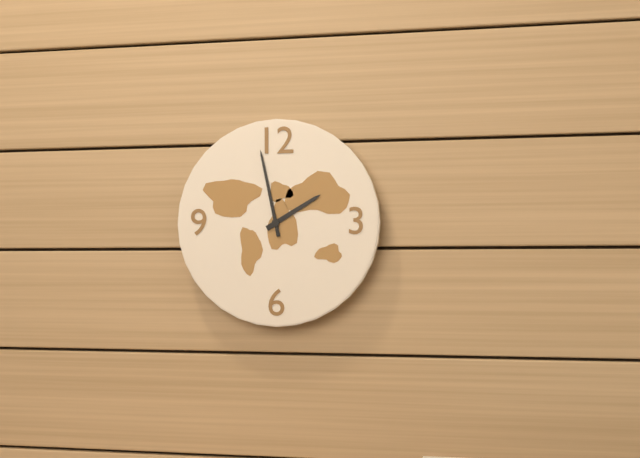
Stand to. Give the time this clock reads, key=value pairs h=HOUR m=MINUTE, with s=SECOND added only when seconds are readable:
h=1 m=58
